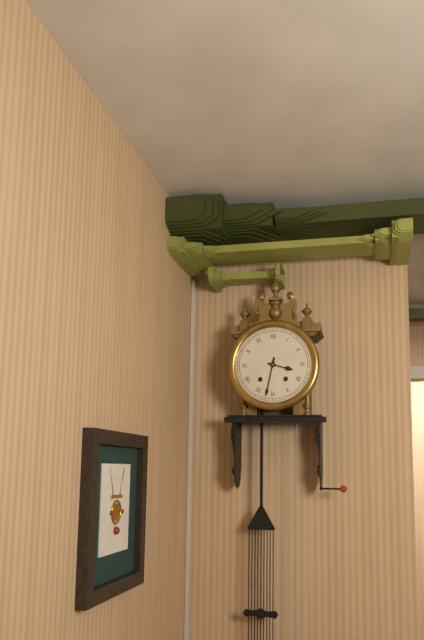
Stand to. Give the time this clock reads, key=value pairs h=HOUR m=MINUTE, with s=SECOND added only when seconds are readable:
h=3 m=32
